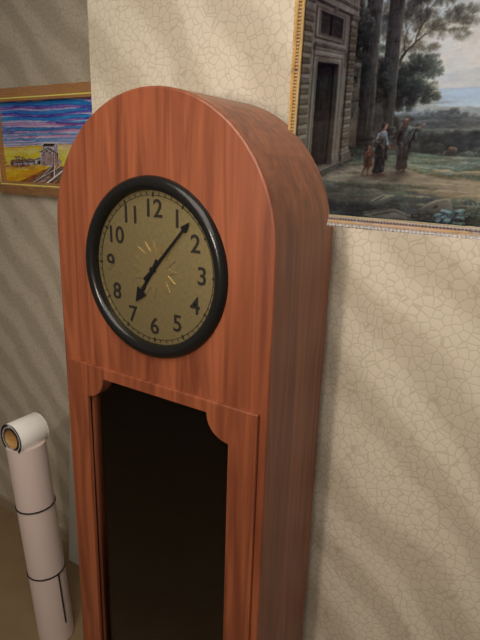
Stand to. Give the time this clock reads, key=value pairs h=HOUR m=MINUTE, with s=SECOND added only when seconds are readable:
h=7 m=7
